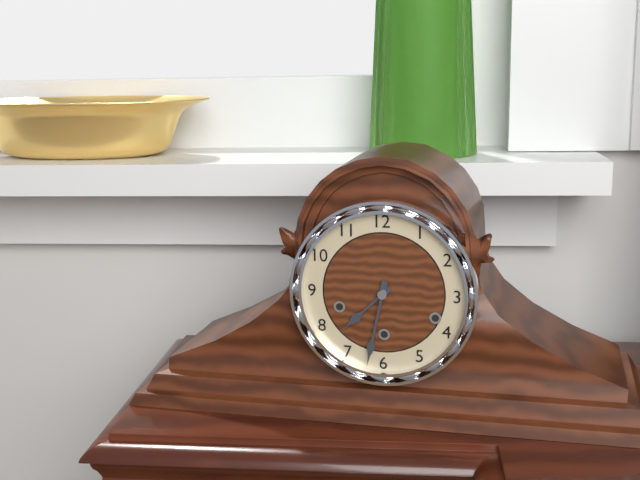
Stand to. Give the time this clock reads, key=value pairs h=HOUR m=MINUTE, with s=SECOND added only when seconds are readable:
h=7 m=32
